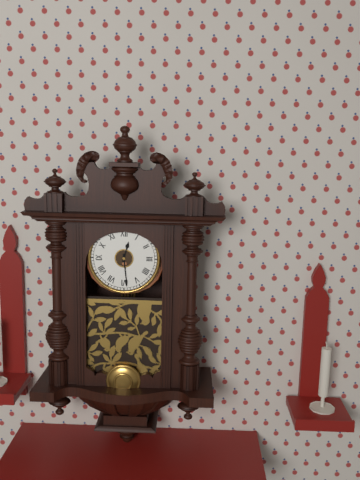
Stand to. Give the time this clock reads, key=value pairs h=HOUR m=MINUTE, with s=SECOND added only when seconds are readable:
h=12 m=29
